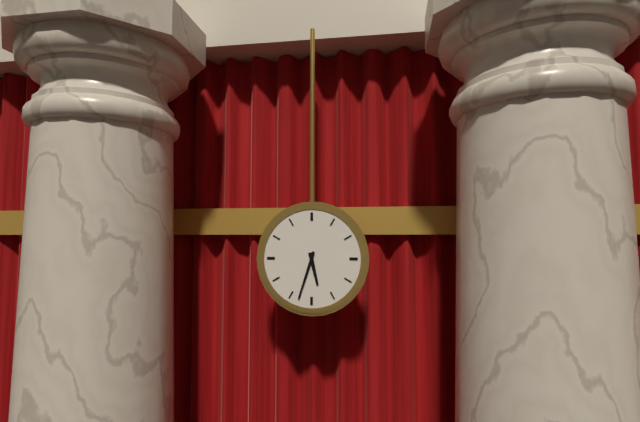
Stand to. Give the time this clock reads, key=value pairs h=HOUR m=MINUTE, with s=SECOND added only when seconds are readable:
h=5 m=33
